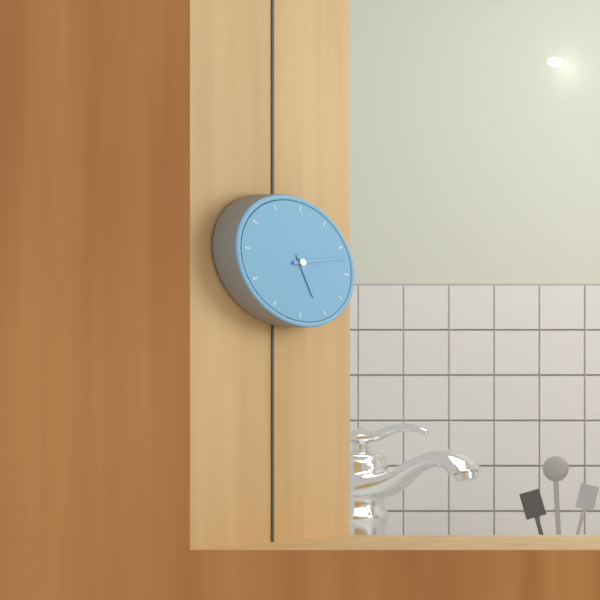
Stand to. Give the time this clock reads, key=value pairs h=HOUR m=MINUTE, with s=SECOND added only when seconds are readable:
h=5 m=12
